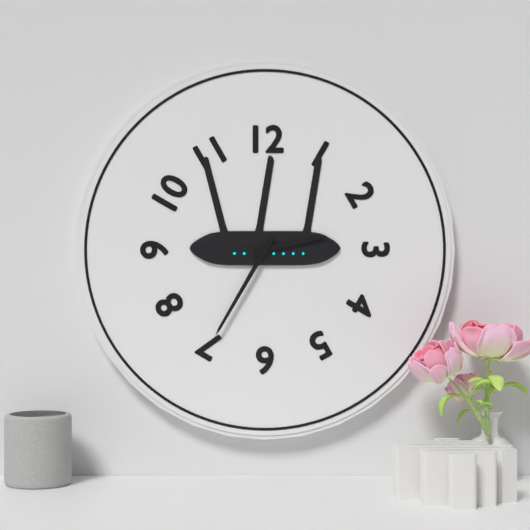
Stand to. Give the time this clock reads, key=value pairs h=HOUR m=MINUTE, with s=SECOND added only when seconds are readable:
h=2 m=35
